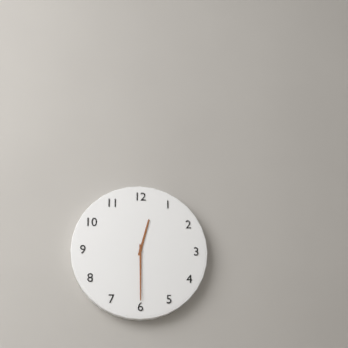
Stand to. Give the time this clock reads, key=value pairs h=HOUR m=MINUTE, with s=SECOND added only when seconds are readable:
h=12 m=30
